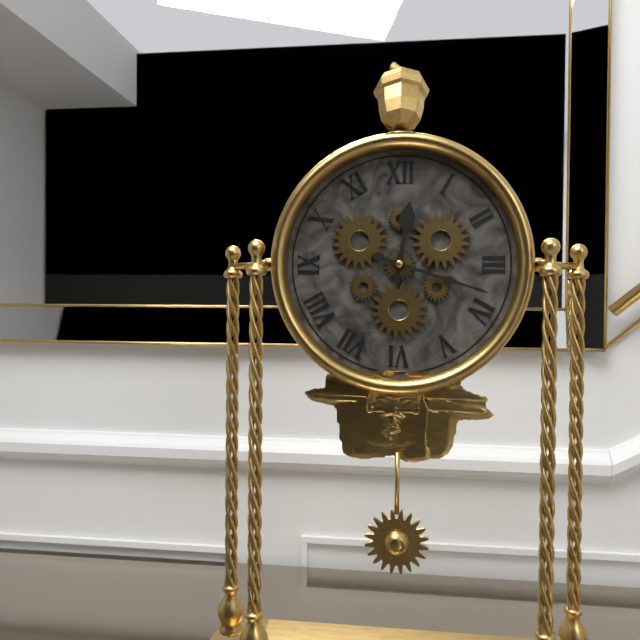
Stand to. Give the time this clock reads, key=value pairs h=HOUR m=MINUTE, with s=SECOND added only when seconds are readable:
h=12 m=18
